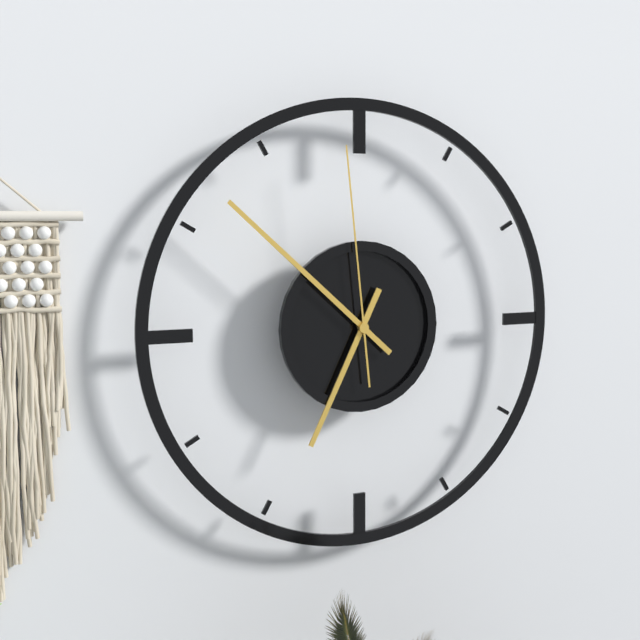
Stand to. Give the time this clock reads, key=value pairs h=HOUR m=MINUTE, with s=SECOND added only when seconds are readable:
h=6 m=52 s=59
